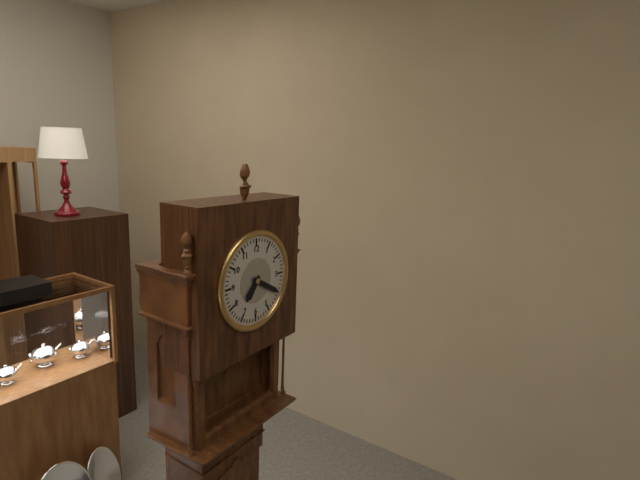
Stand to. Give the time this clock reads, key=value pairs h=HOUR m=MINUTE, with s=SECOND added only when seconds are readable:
h=7 m=20
